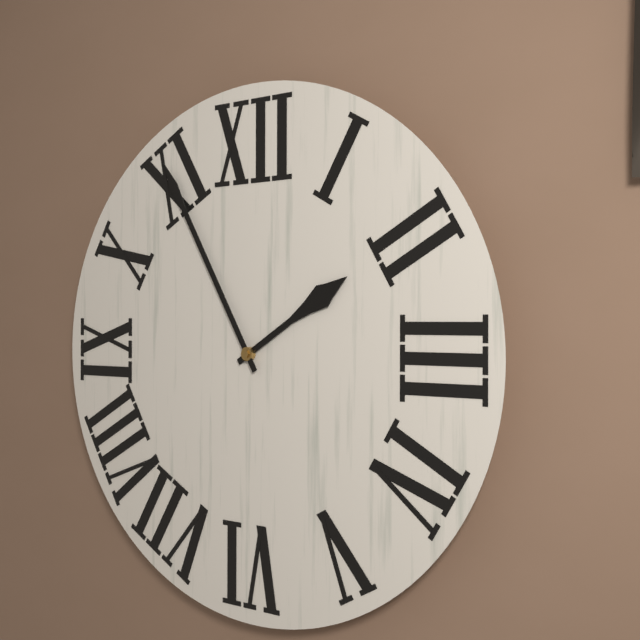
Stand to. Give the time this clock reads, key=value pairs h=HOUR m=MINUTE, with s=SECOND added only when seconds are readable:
h=1 m=55
